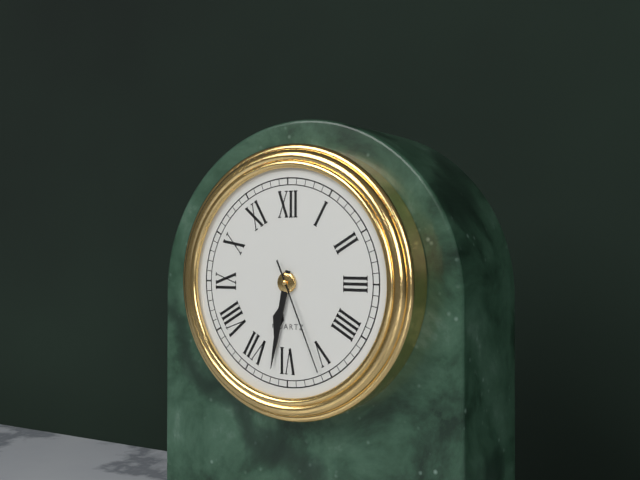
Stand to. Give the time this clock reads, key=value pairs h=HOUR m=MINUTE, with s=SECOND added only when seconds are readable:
h=6 m=32 s=26
